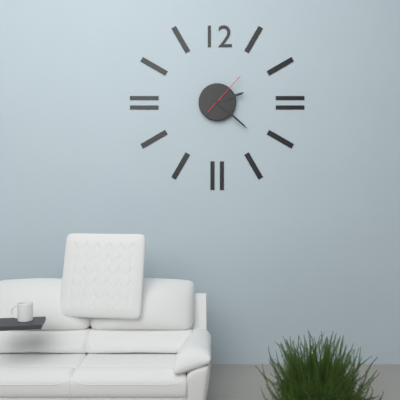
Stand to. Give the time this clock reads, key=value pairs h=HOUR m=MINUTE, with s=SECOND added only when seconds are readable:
h=2 m=22
